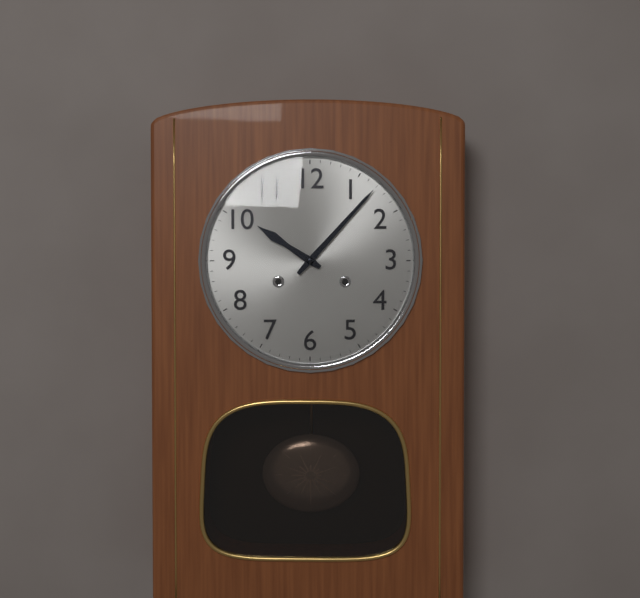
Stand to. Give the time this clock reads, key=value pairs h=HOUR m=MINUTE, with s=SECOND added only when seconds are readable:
h=10 m=7
